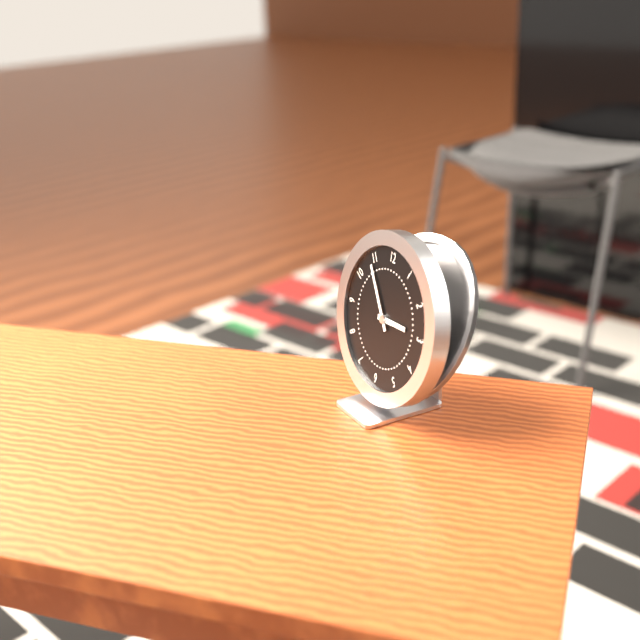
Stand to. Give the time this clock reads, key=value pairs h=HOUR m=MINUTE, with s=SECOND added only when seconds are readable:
h=2 m=54
